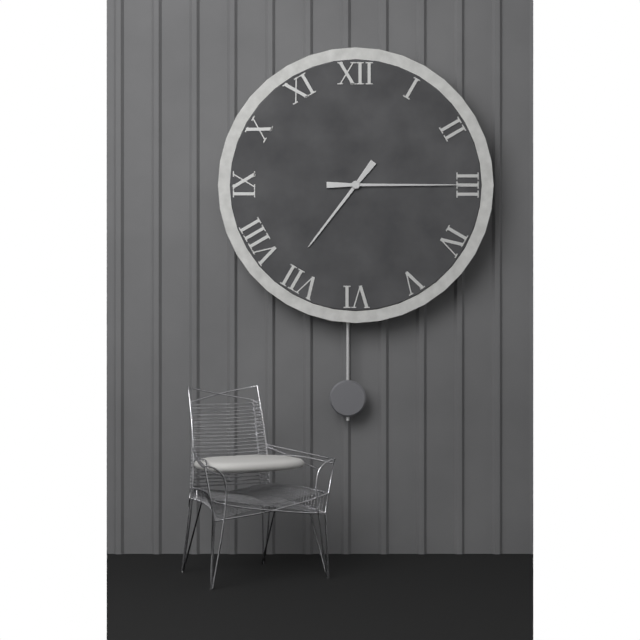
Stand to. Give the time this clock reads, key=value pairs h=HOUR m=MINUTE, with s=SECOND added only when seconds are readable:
h=7 m=15
